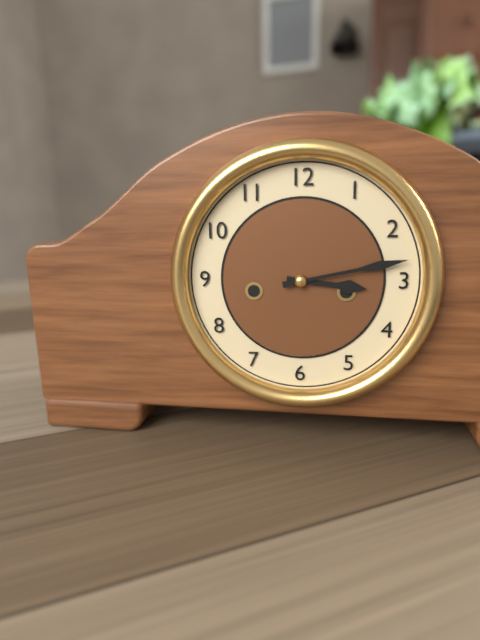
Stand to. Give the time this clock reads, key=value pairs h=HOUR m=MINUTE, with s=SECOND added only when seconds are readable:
h=3 m=13
